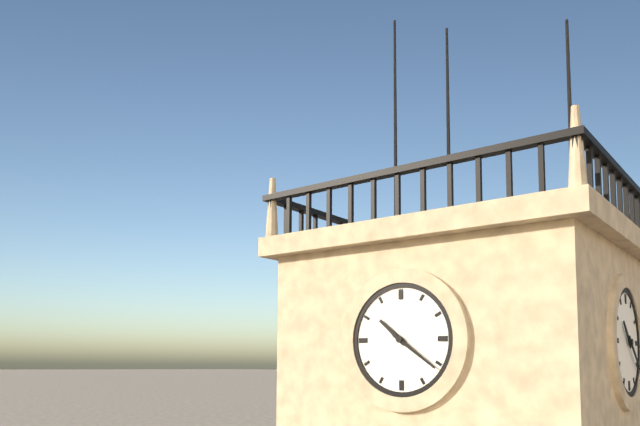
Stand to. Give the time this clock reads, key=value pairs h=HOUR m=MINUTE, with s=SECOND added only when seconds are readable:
h=10 m=21
